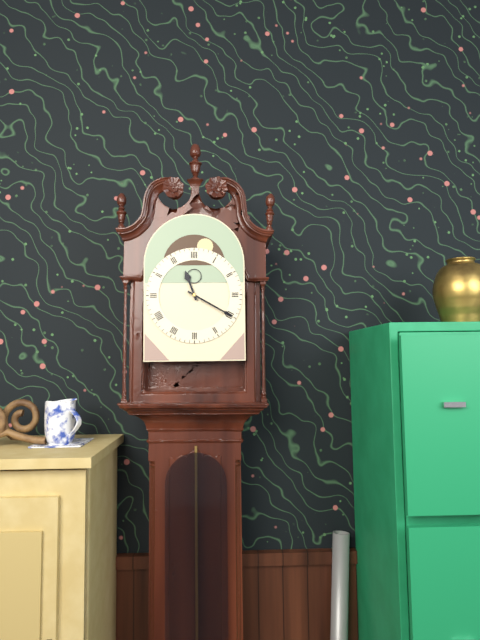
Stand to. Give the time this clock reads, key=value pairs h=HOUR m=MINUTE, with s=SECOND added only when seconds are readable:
h=11 m=20
